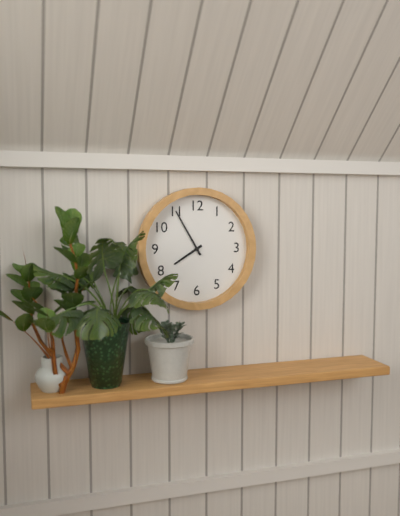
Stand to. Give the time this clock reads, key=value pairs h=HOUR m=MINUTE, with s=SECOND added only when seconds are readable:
h=7 m=55
